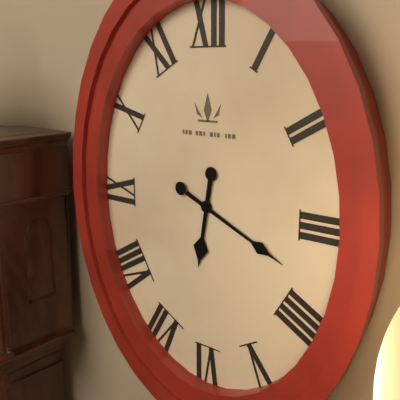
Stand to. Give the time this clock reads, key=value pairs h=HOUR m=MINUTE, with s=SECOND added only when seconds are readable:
h=6 m=19
